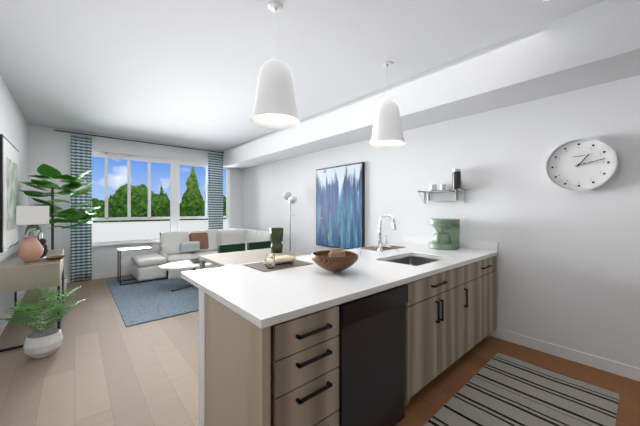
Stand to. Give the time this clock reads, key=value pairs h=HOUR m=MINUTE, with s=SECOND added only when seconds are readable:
h=1 m=13
